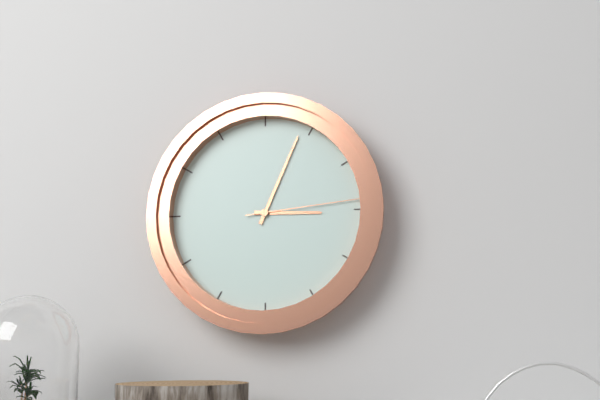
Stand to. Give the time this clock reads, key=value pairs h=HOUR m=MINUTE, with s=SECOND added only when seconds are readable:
h=3 m=4 s=14
